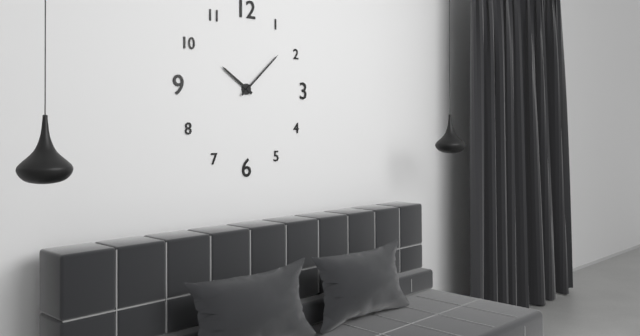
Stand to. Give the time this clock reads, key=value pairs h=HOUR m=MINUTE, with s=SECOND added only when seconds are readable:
h=10 m=8
